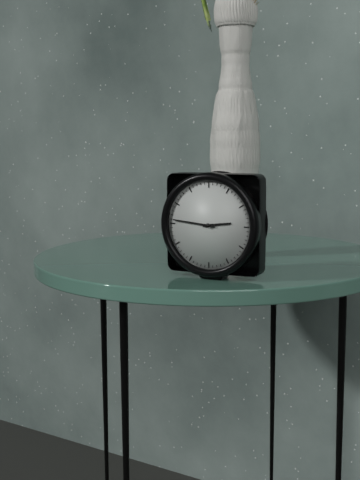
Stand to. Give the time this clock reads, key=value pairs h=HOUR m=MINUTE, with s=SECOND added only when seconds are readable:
h=2 m=46
